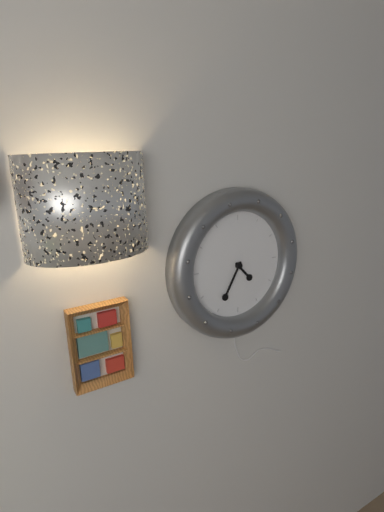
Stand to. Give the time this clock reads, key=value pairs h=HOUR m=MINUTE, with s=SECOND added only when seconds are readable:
h=4 m=35
